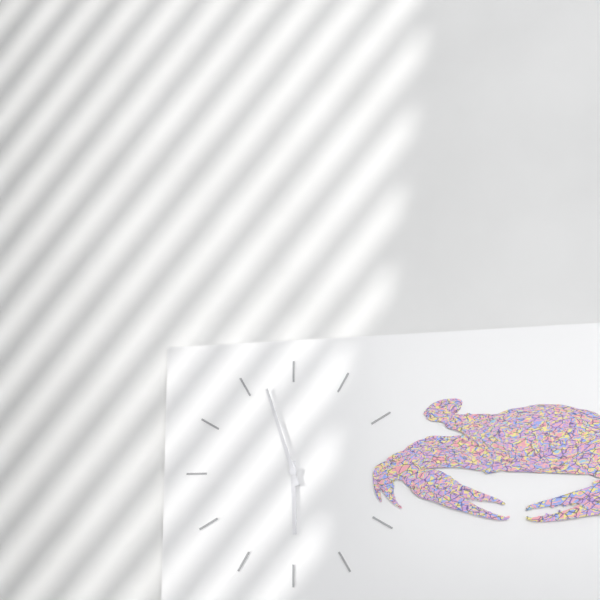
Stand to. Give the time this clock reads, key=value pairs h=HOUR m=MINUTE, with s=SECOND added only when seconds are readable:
h=5 m=57
